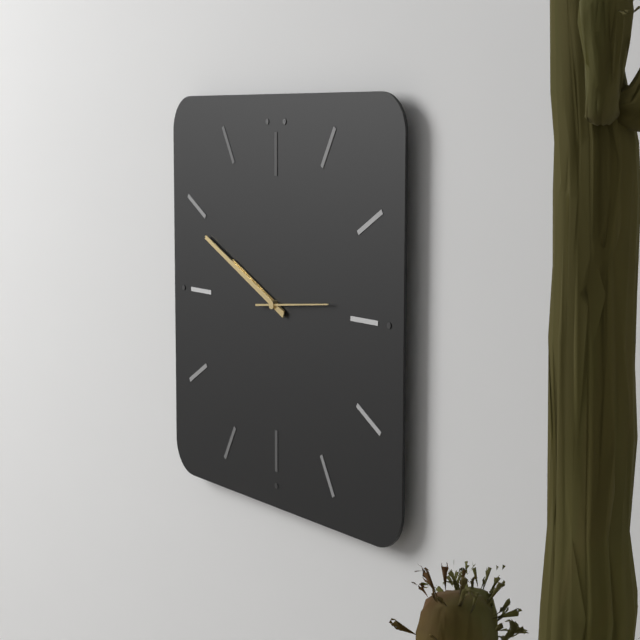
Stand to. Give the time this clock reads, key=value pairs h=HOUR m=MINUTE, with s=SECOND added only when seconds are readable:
h=9 m=49
